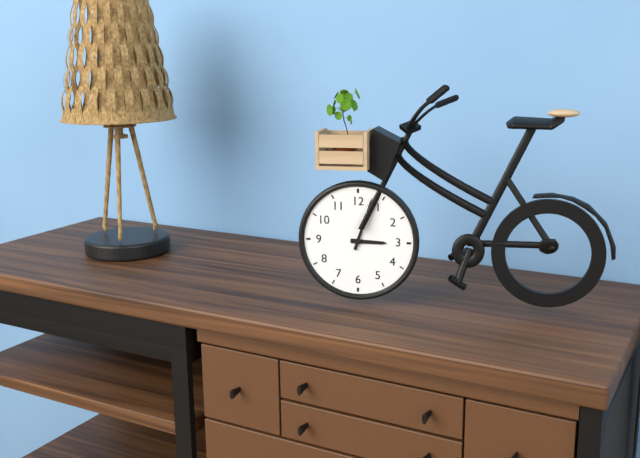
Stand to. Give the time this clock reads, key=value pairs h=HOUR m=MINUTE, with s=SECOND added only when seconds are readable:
h=3 m=3
